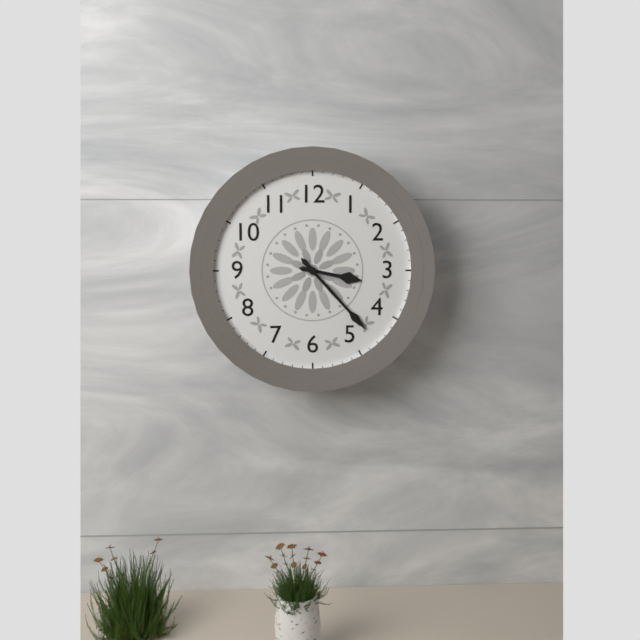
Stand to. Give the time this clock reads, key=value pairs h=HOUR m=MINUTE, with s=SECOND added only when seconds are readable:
h=3 m=23
